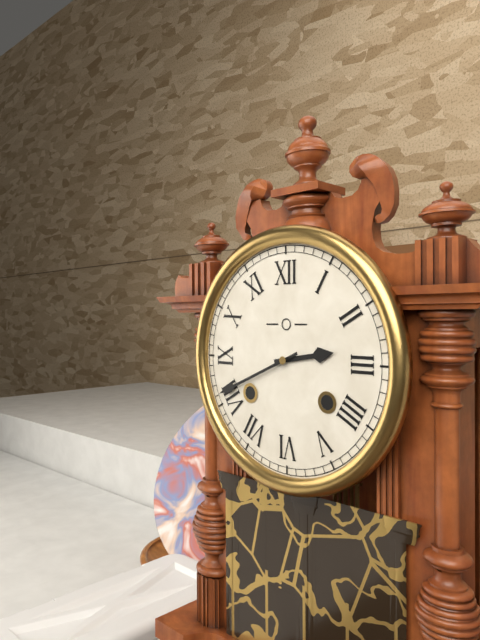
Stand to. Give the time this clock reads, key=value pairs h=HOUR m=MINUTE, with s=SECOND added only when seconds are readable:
h=2 m=41
